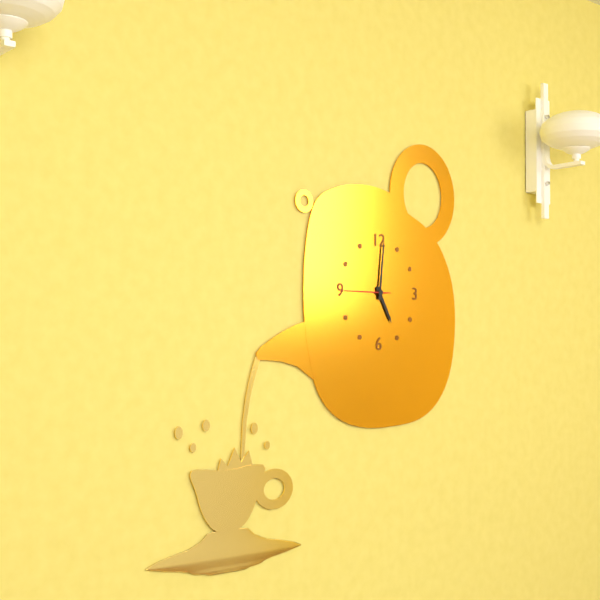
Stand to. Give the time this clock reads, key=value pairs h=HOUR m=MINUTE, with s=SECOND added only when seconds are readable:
h=5 m=1 s=45
